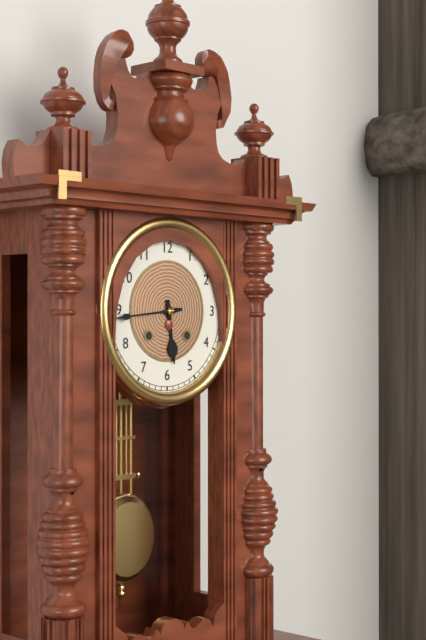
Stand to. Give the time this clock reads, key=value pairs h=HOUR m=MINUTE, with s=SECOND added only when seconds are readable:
h=5 m=44
